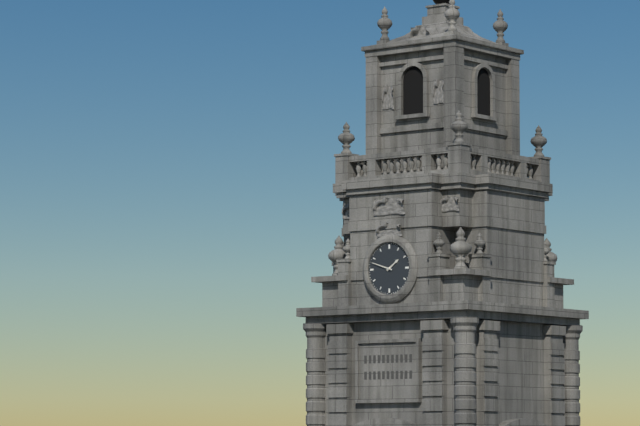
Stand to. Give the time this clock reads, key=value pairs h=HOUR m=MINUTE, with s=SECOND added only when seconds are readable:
h=1 m=48
